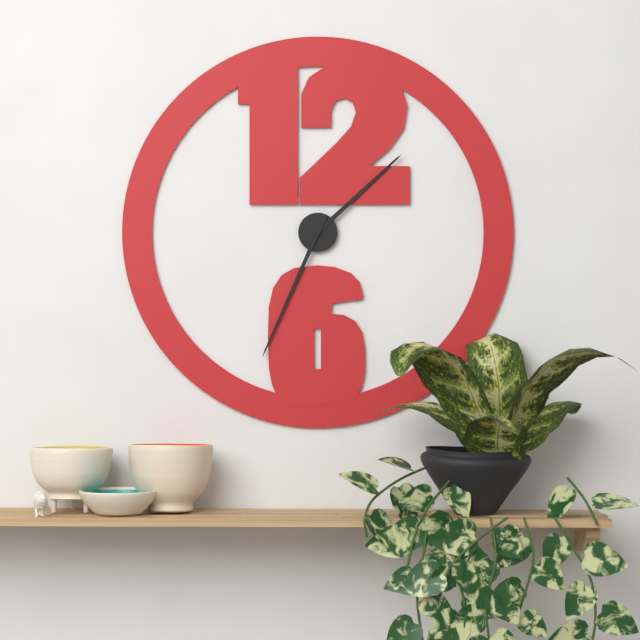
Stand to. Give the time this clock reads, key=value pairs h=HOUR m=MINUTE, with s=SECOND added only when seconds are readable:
h=1 m=34
